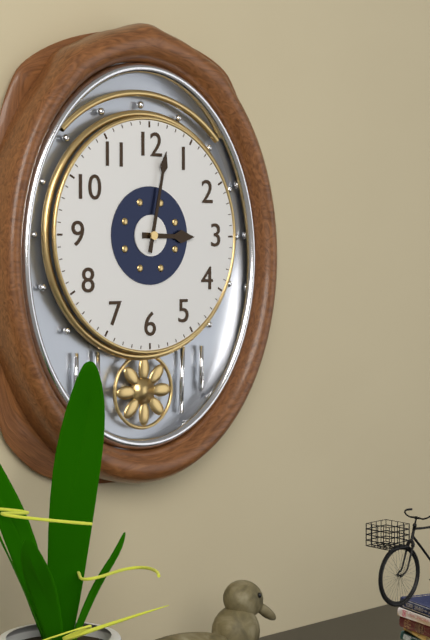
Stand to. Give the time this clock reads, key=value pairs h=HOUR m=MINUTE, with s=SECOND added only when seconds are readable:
h=3 m=2
